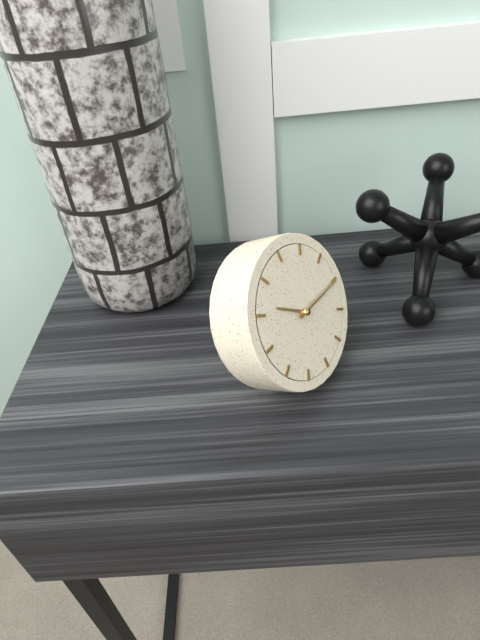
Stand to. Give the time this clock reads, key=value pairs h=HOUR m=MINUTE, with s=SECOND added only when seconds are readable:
h=10 m=15
